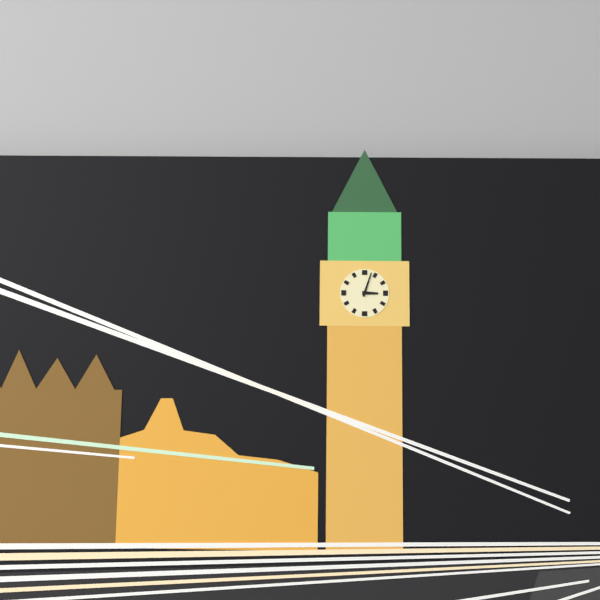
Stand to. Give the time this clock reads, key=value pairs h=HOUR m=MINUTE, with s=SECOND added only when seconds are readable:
h=3 m=3
